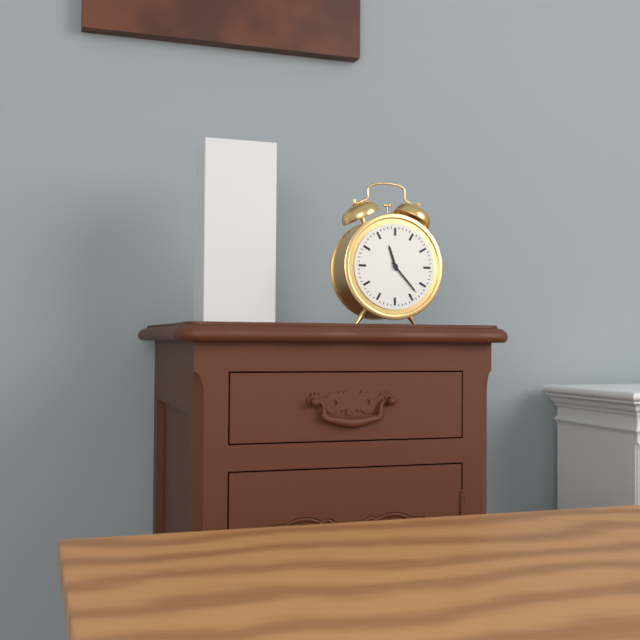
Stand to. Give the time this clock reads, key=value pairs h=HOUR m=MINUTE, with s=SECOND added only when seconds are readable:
h=11 m=23
